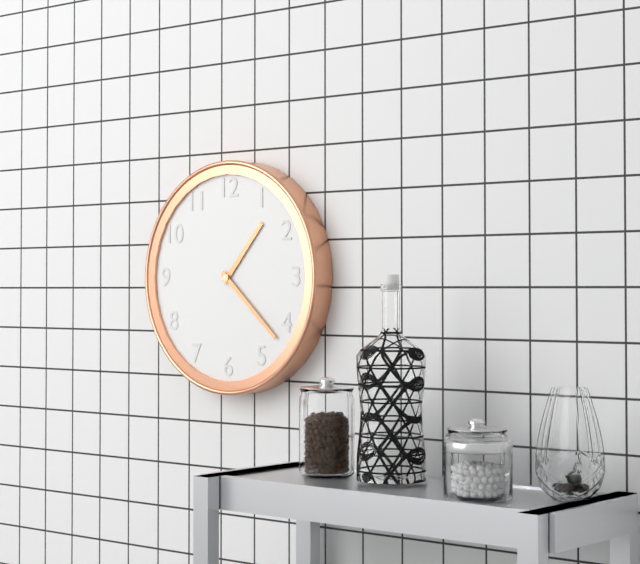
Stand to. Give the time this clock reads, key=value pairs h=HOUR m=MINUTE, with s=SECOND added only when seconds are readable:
h=1 m=22
